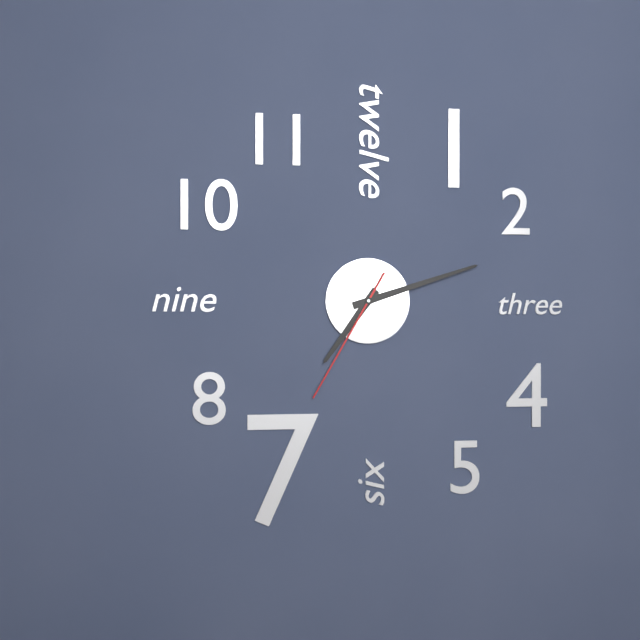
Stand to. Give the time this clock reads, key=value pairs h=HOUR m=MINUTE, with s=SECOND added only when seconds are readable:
h=7 m=12 s=35
